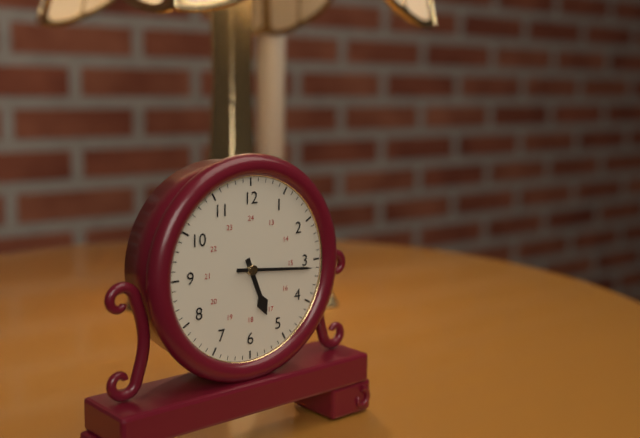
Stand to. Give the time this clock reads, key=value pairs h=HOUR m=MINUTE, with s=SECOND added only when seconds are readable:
h=5 m=16
